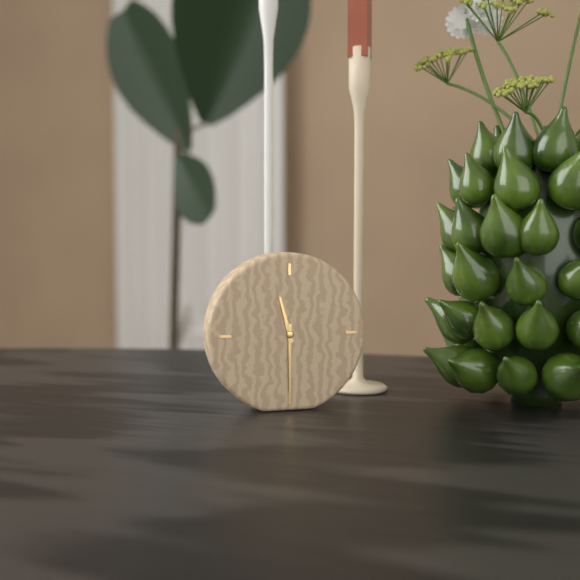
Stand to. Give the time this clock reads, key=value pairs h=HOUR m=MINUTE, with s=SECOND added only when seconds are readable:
h=11 m=30
